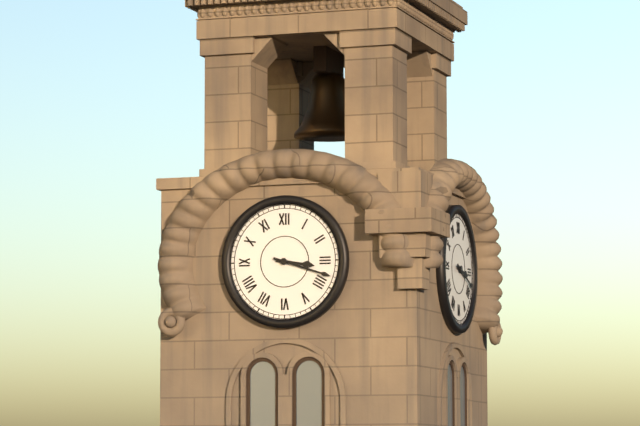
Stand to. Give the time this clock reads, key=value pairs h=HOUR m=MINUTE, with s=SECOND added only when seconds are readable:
h=3 m=18
